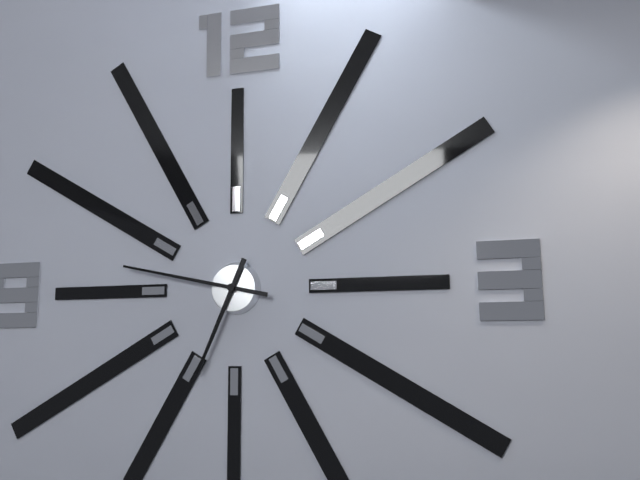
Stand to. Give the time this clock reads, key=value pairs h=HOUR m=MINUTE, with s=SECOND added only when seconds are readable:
h=6 m=47
